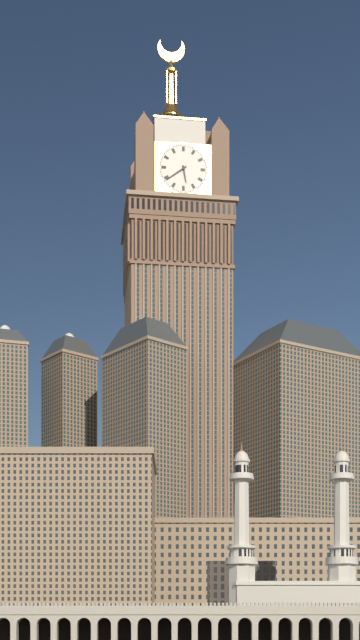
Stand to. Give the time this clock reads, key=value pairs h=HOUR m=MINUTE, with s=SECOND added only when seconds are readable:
h=5 m=39
